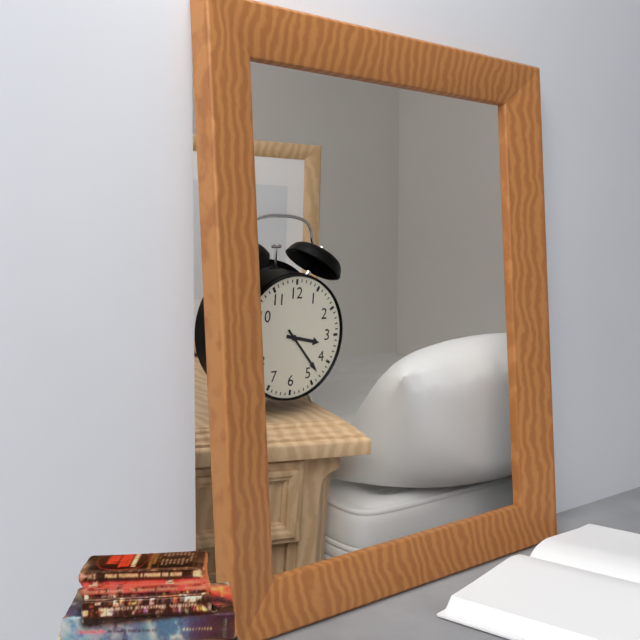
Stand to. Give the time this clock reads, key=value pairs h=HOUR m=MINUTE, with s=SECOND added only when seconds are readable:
h=3 m=23
